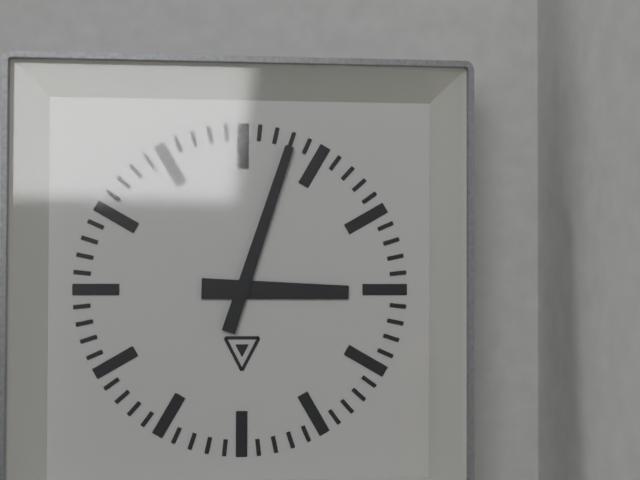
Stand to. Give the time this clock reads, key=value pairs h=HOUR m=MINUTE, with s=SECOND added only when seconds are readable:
h=3 m=3
